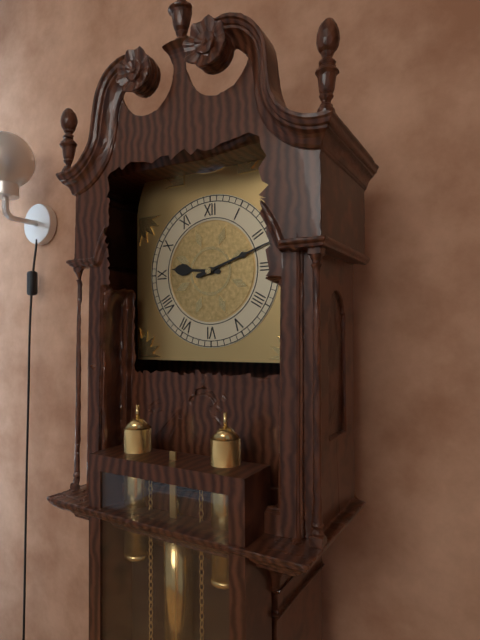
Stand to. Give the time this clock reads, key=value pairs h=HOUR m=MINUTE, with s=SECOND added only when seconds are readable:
h=9 m=12
